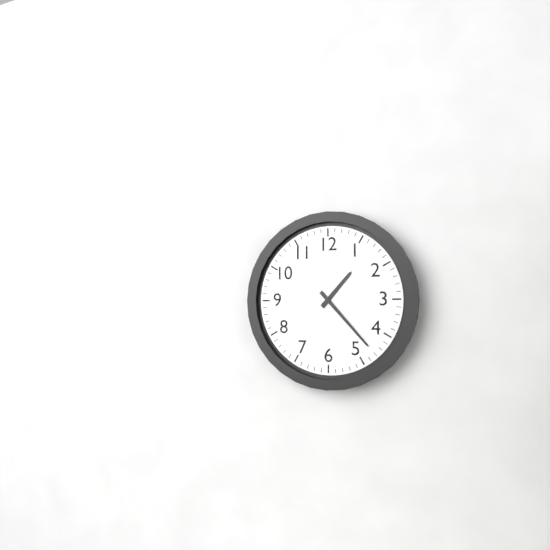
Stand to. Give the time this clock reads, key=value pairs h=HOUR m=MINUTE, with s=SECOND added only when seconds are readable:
h=1 m=23
